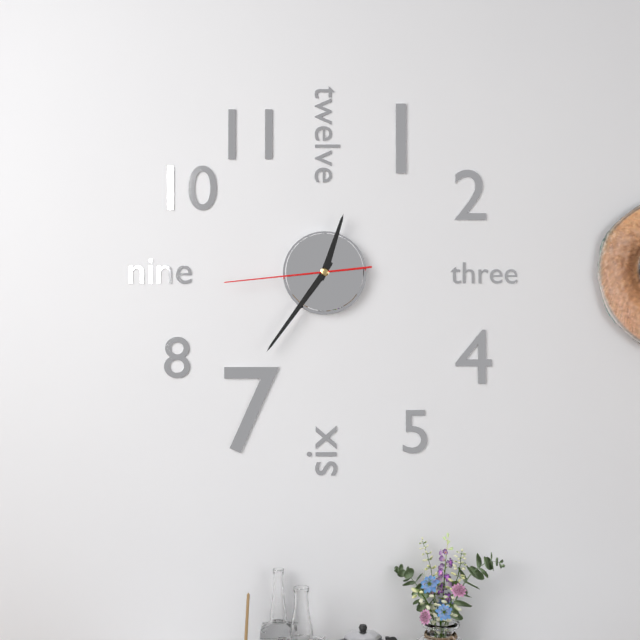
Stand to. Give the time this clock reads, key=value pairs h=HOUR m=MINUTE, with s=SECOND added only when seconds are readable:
h=12 m=36 s=44
